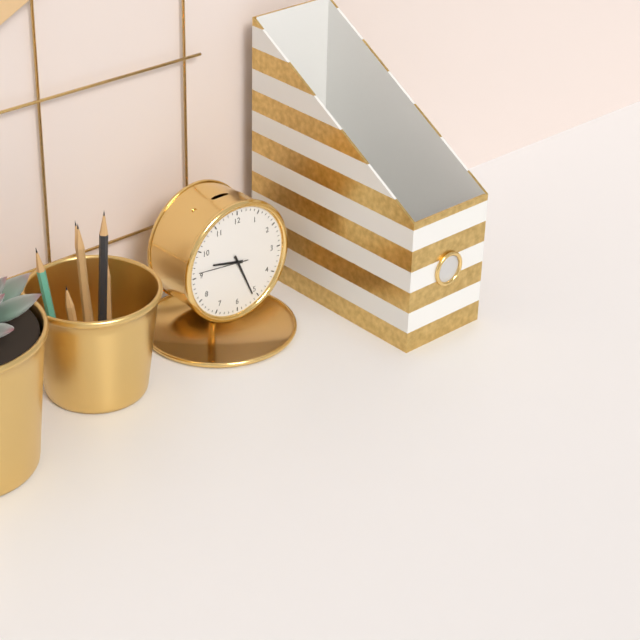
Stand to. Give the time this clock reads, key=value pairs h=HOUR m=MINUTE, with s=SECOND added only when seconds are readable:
h=9 m=26 s=46
